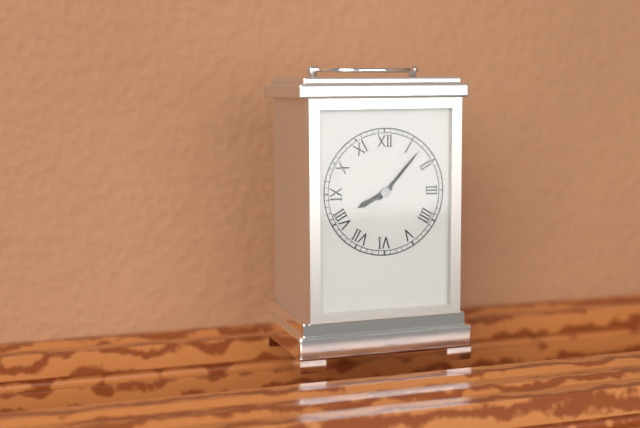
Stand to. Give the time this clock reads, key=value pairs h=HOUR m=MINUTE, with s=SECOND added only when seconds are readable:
h=8 m=7
